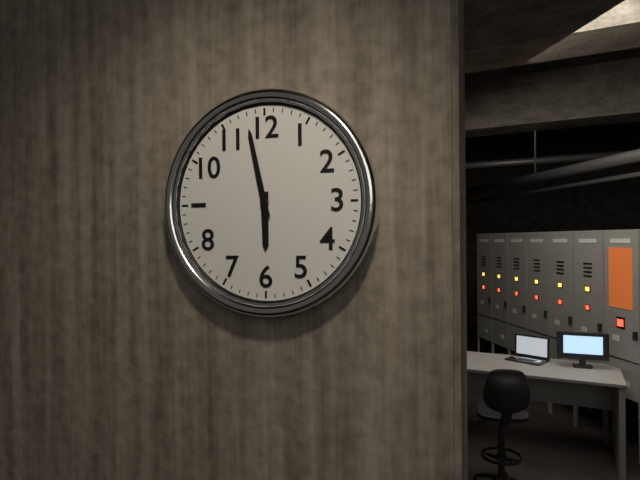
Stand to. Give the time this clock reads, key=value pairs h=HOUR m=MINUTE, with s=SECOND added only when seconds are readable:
h=5 m=58
